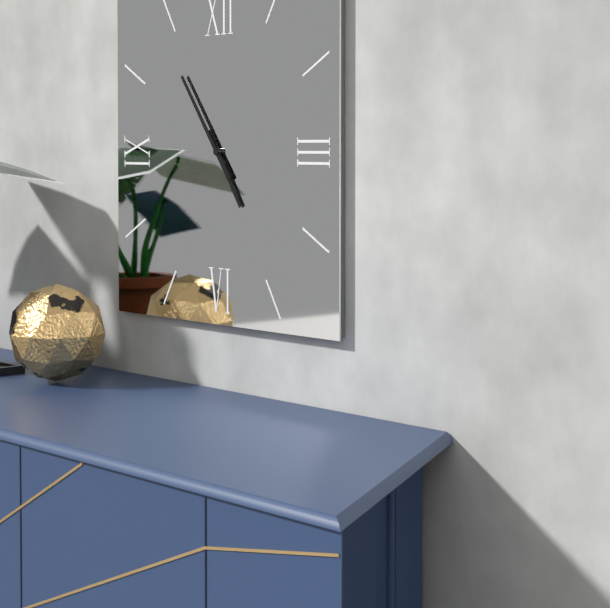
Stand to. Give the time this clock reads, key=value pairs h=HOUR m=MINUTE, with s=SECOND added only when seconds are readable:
h=4 m=54
